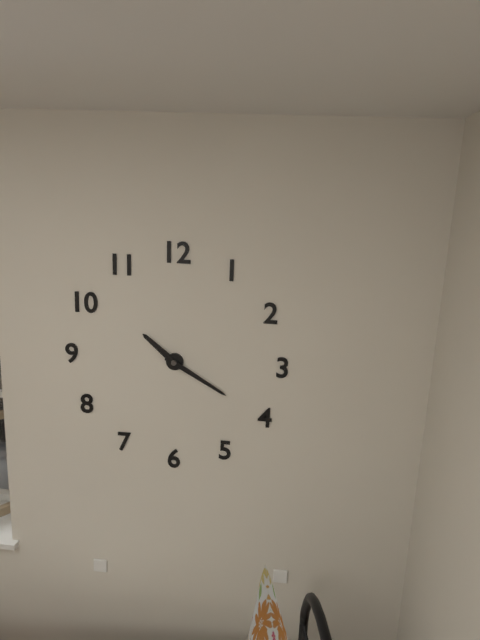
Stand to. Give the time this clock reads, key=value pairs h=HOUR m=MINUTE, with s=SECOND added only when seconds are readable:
h=10 m=20
